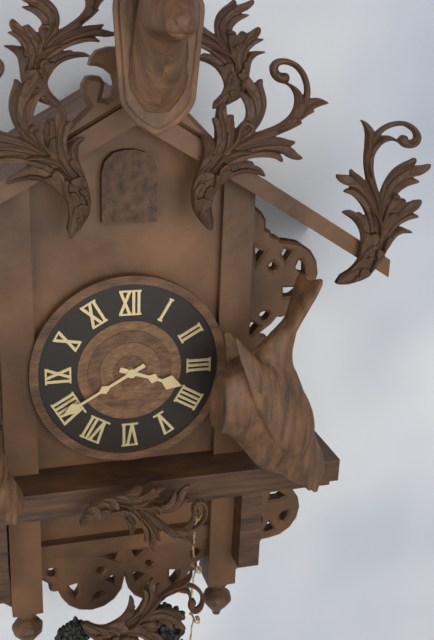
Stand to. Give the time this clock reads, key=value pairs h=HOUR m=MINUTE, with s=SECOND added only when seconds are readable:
h=3 m=40
